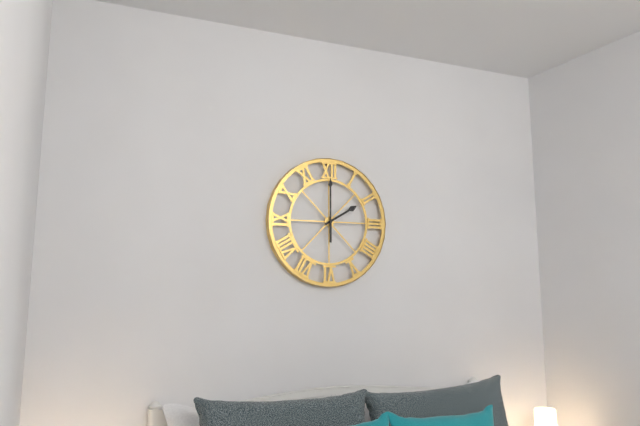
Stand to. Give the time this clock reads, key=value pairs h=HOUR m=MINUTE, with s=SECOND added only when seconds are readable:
h=2 m=0
